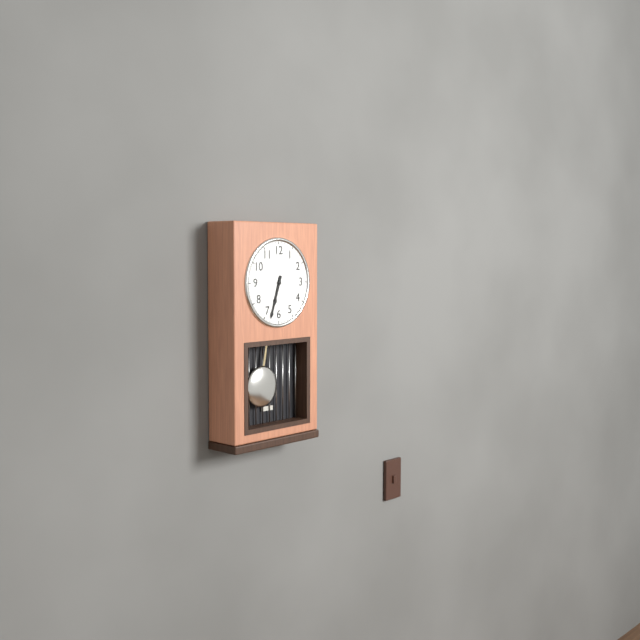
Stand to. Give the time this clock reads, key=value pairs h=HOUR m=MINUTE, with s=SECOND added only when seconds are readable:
h=6 m=33
